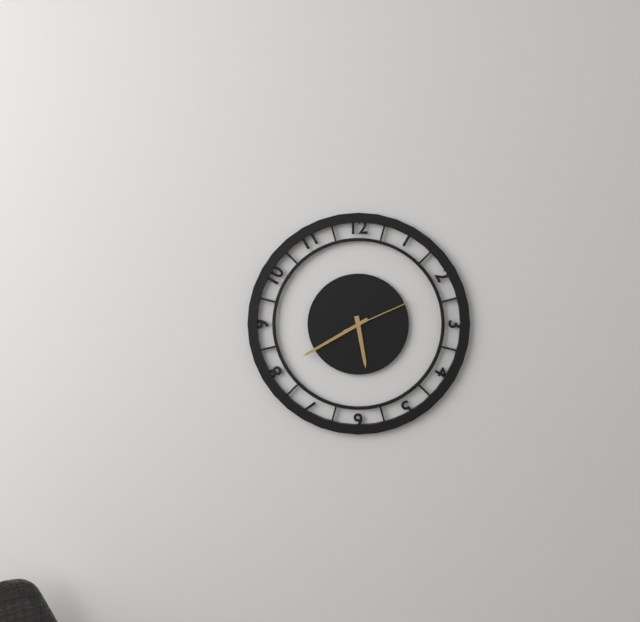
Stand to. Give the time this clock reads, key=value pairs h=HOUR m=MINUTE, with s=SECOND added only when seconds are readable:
h=5 m=40 s=11
